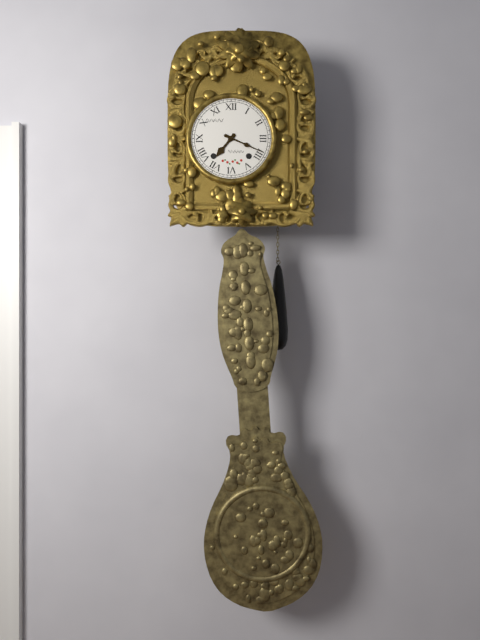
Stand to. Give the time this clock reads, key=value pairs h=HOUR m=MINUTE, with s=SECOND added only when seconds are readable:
h=7 m=19
